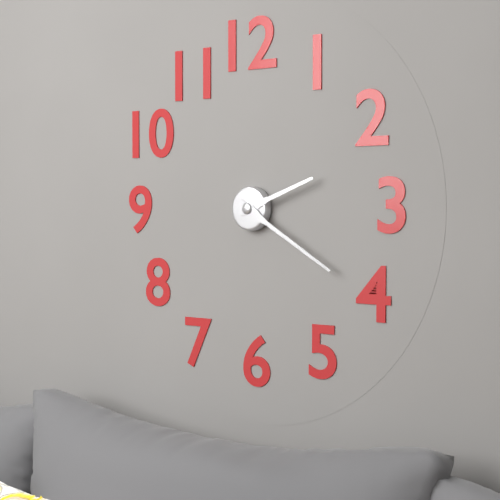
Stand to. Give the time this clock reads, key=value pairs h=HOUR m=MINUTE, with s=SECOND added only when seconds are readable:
h=2 m=20
